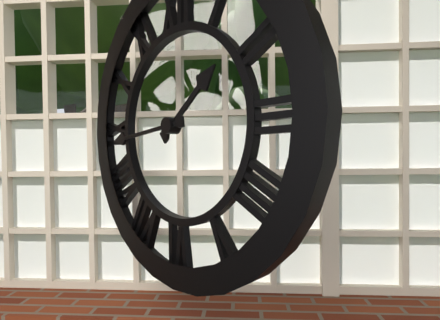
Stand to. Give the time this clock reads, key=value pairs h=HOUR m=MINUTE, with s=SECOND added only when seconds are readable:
h=1 m=44
